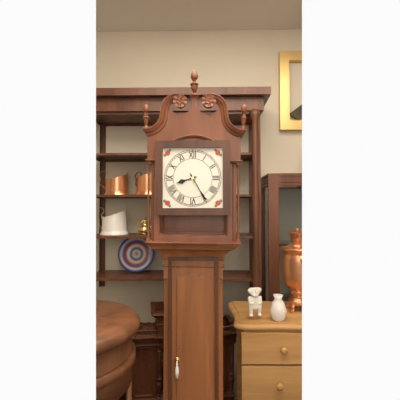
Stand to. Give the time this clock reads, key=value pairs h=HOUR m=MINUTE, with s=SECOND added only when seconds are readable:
h=8 m=25
